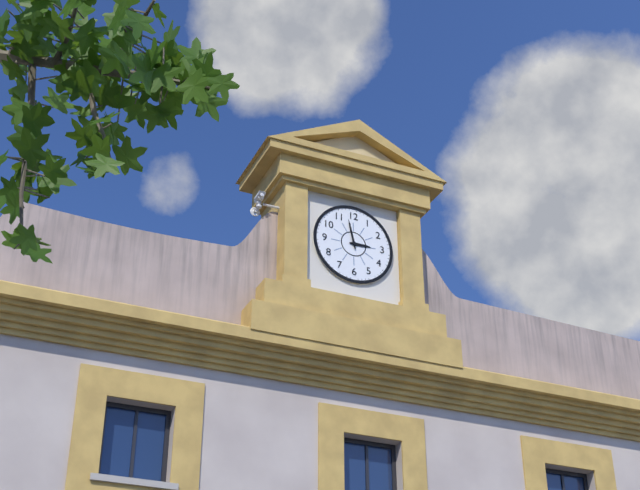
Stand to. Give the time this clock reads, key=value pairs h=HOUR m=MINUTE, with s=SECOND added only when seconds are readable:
h=2 m=58
